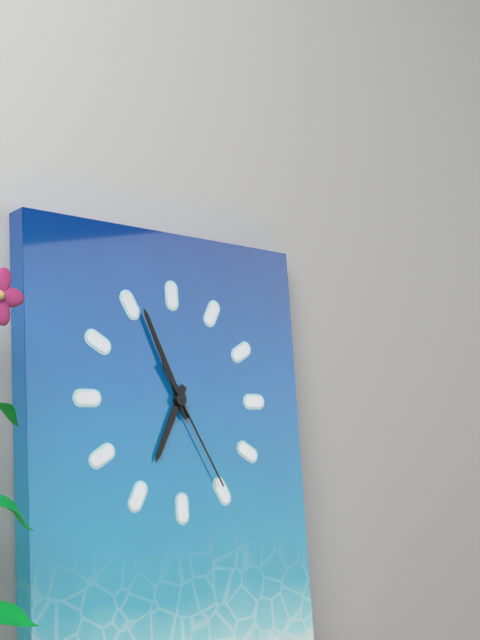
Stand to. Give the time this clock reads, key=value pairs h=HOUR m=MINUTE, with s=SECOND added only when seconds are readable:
h=6 m=56 s=25
